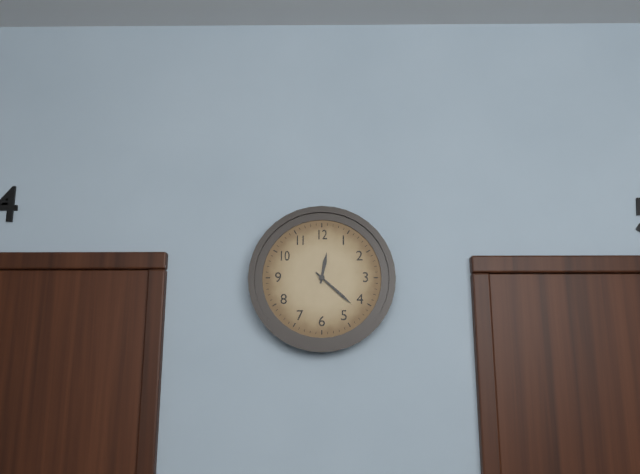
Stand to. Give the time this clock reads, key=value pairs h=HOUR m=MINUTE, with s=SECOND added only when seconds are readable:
h=12 m=22
